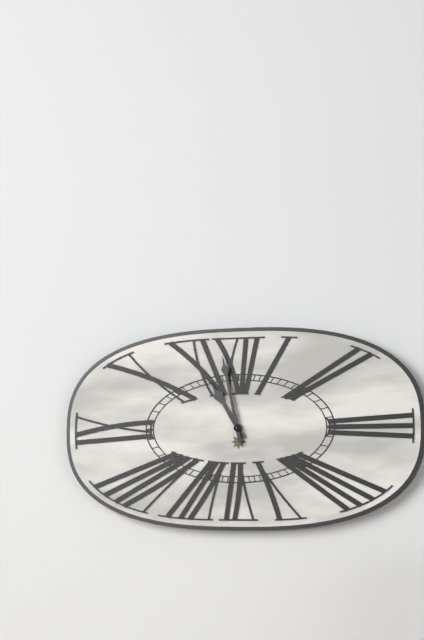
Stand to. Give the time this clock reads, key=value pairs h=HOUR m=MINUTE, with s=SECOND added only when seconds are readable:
h=10 m=58
